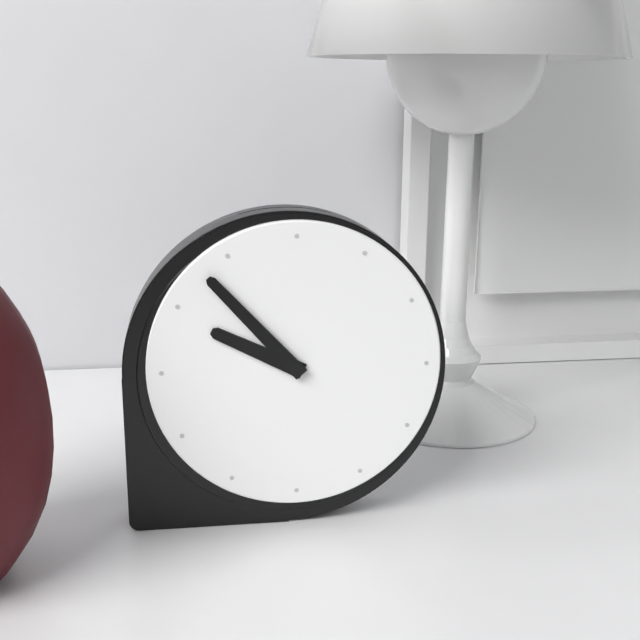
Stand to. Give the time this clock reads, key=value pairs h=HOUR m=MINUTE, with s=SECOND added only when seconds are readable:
h=9 m=53
